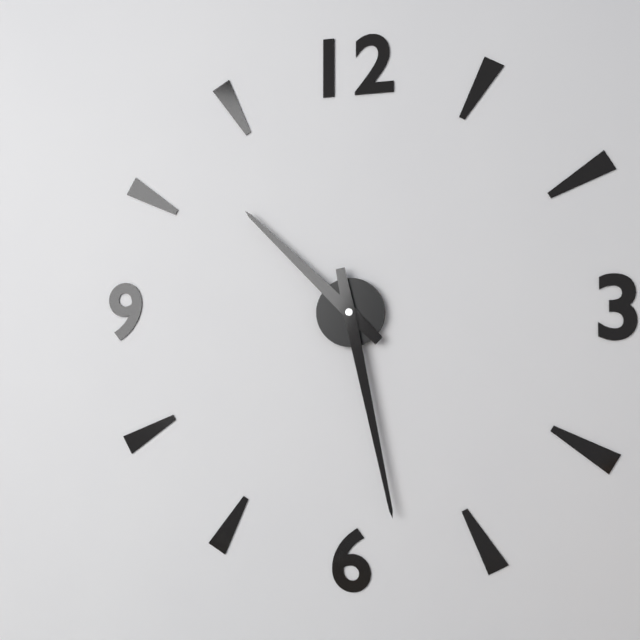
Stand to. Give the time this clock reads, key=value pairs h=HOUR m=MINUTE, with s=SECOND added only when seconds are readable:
h=10 m=28
